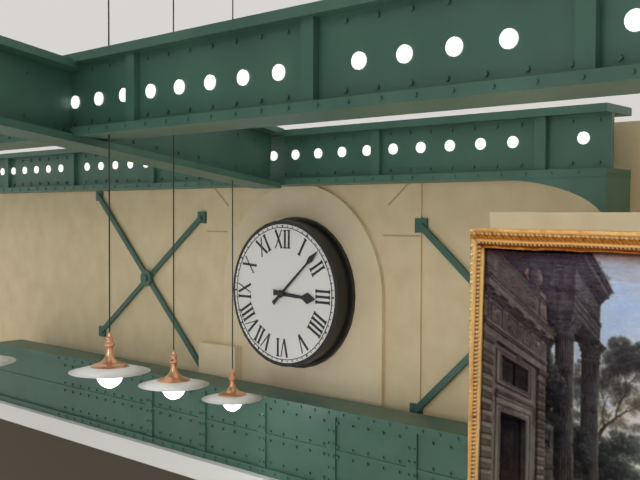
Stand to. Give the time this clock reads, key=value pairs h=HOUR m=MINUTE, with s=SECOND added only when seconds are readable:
h=3 m=8
